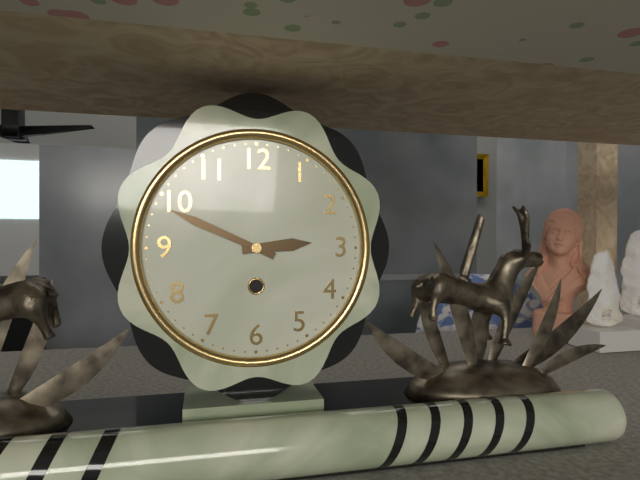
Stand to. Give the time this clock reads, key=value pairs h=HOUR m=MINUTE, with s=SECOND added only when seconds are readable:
h=2 m=49
